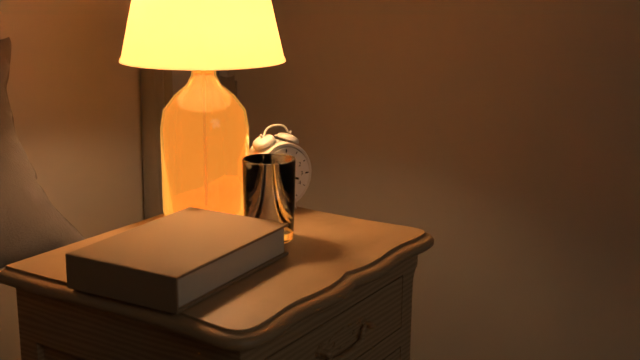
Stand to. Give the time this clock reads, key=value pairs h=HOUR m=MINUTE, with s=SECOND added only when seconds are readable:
h=3 m=37
